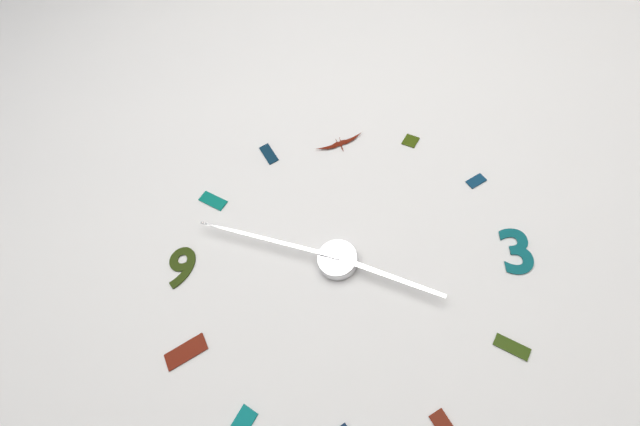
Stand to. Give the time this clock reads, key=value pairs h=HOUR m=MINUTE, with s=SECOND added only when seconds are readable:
h=3 m=48
